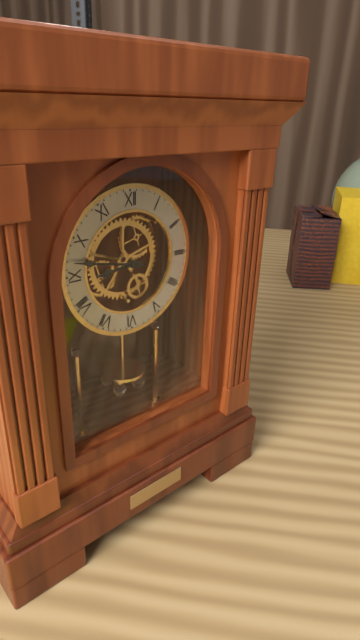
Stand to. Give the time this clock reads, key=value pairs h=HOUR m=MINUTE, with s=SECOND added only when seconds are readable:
h=8 m=47
